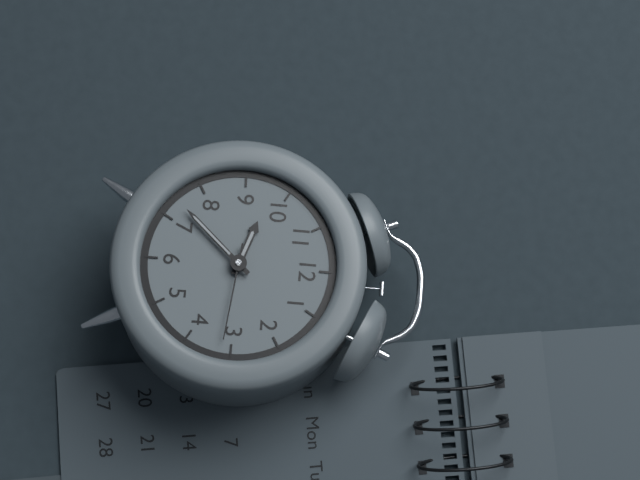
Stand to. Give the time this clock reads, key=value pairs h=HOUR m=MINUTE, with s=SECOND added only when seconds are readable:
h=9 m=37 s=16
